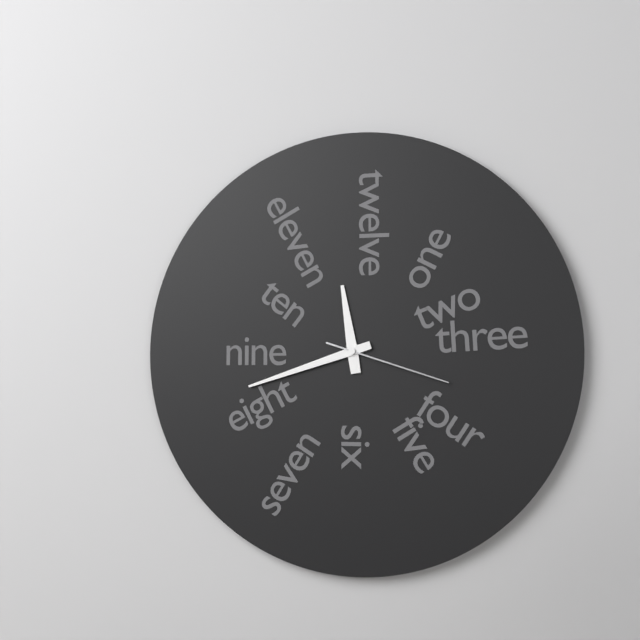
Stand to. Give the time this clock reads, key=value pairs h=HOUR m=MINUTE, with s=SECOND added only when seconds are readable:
h=11 m=42 s=18
